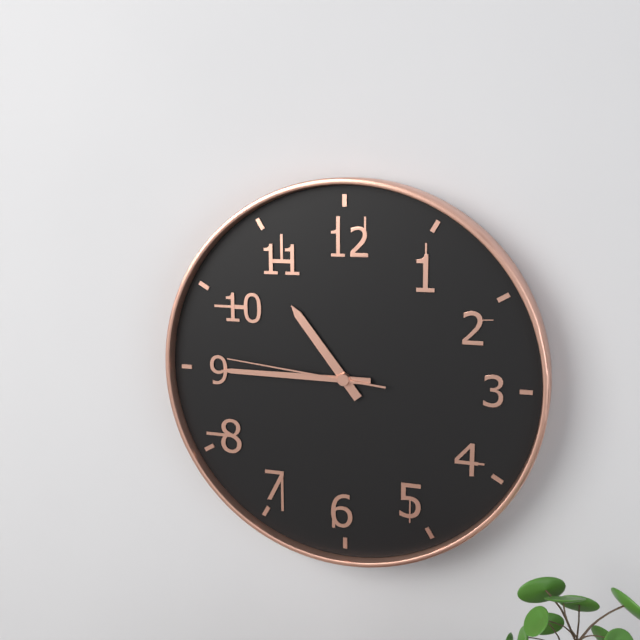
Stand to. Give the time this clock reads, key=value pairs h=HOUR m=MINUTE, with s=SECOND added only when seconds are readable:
h=10 m=45 s=46
